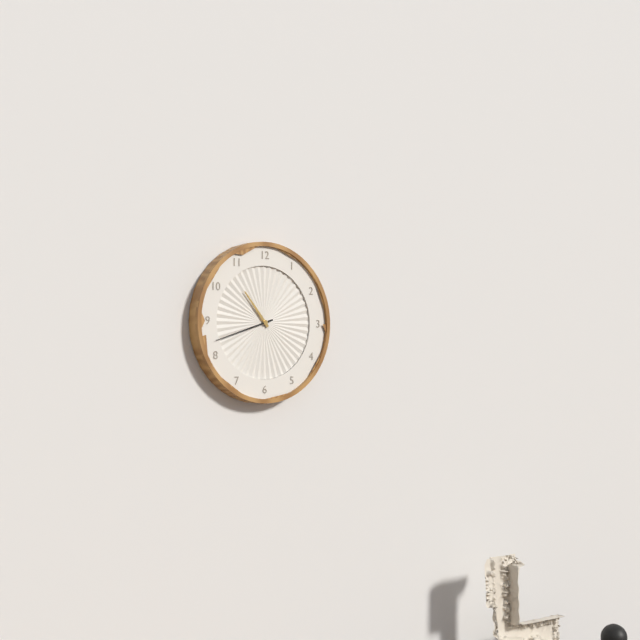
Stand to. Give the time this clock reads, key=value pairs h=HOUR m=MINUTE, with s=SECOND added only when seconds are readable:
h=10 m=42
